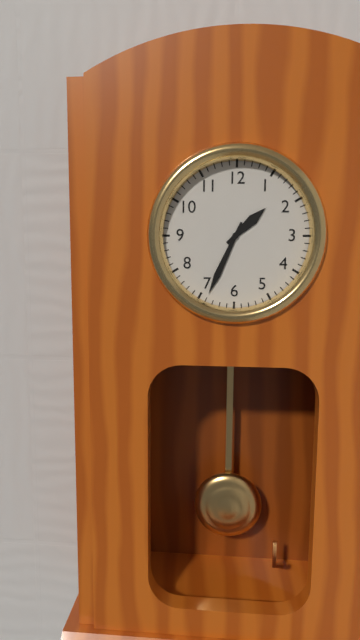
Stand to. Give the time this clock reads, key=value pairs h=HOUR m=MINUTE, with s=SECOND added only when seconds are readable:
h=1 m=34
